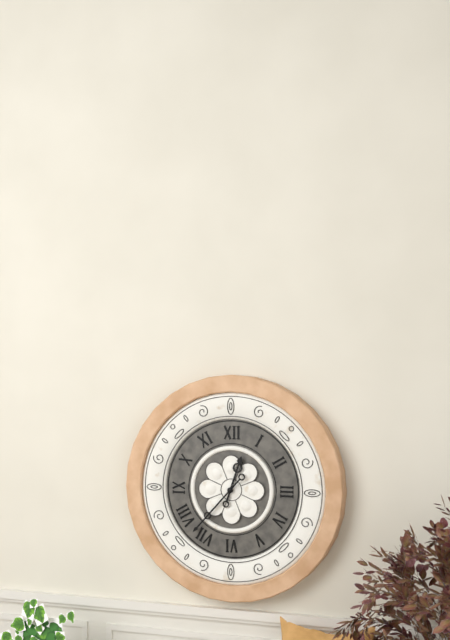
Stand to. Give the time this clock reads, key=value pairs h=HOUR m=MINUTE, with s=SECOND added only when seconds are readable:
h=12 m=37
